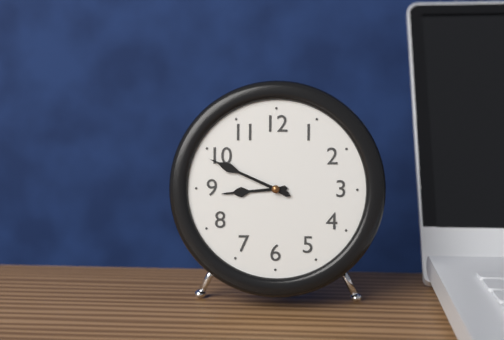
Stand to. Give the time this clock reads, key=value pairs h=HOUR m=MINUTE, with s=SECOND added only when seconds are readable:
h=8 m=49
